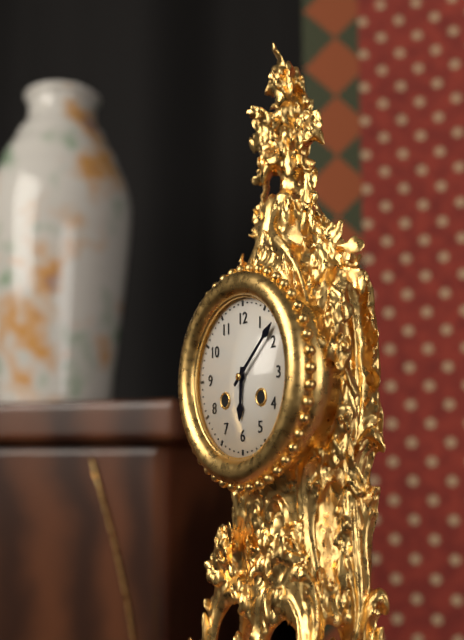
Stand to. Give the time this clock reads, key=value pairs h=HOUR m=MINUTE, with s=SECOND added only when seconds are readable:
h=6 m=8
